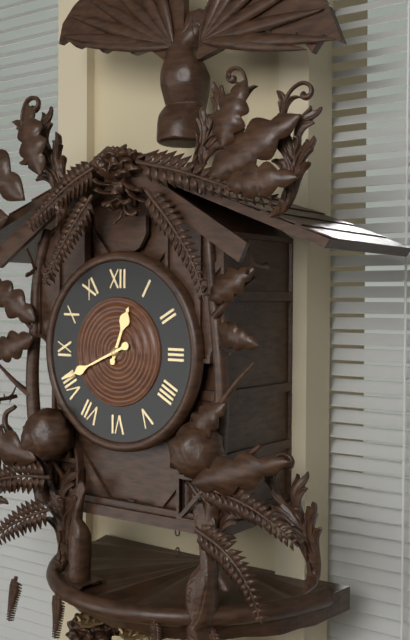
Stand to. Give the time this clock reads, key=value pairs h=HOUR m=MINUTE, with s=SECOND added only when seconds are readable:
h=12 m=41
